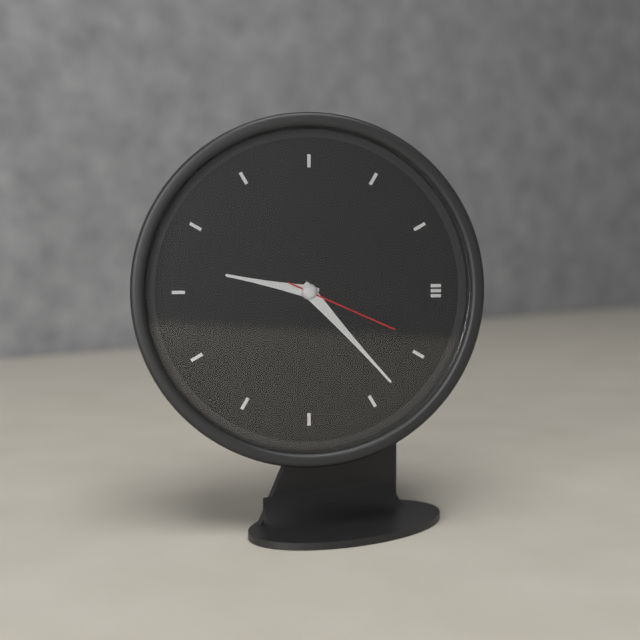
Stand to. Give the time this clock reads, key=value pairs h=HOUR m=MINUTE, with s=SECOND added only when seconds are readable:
h=9 m=23 s=19
